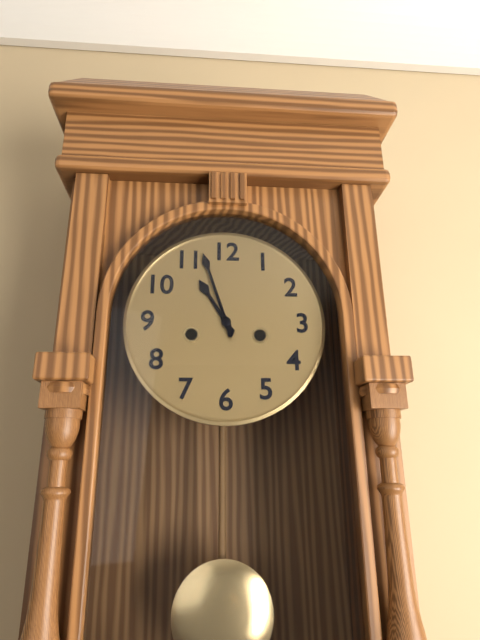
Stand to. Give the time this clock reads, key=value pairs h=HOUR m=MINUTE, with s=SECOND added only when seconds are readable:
h=10 m=57
